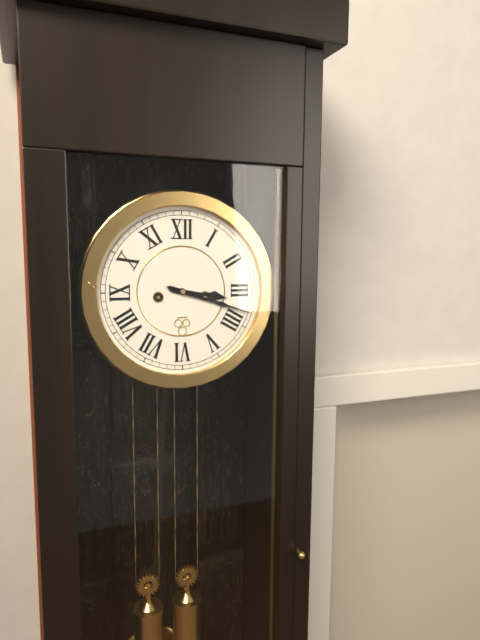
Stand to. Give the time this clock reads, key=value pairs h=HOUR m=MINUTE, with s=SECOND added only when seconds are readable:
h=3 m=18
